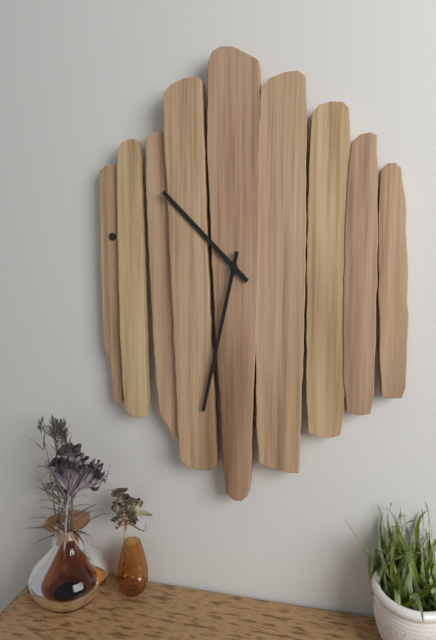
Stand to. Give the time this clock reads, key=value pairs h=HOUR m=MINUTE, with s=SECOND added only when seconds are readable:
h=10 m=32
